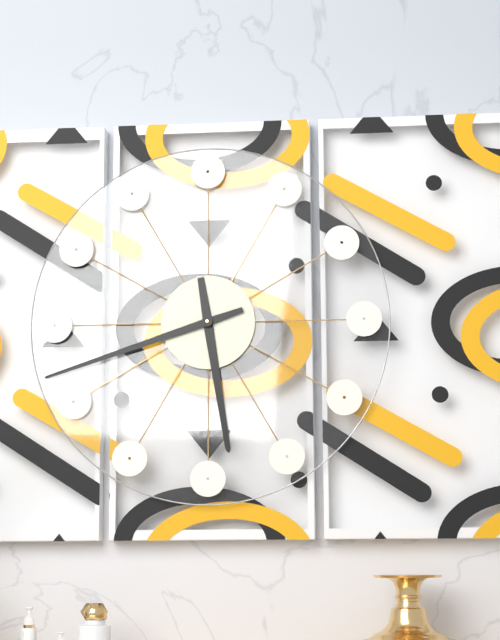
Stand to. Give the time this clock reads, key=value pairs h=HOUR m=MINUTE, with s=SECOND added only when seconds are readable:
h=5 m=42
